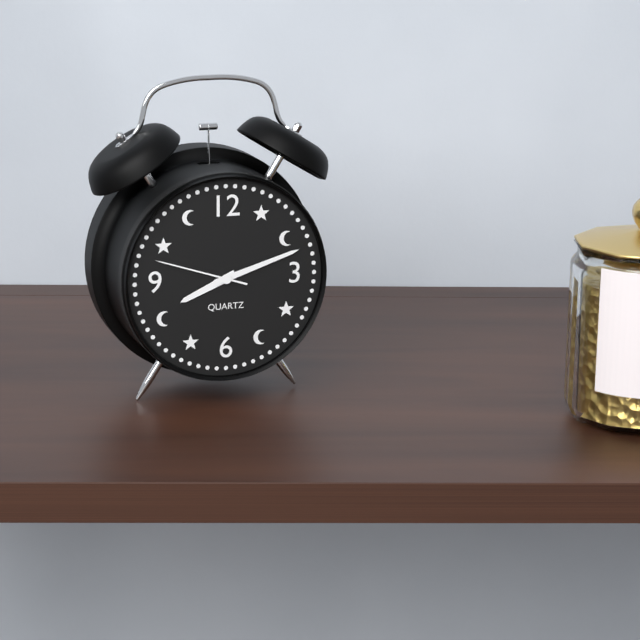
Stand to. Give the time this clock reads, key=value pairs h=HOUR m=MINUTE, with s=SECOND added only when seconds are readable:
h=8 m=12 s=48
